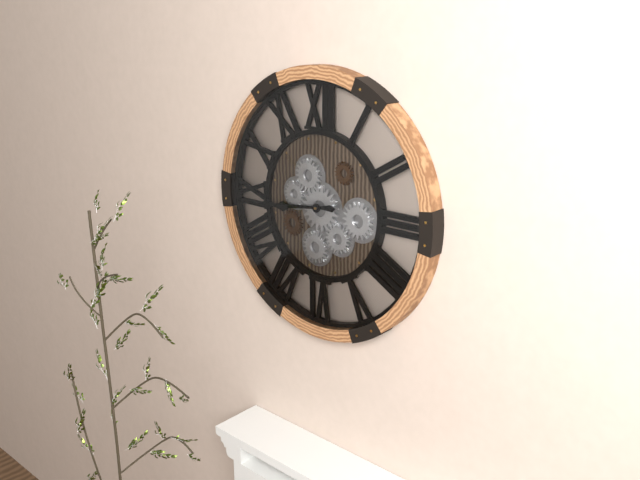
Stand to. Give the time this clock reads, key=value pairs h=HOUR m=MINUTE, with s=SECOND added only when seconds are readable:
h=8 m=44
